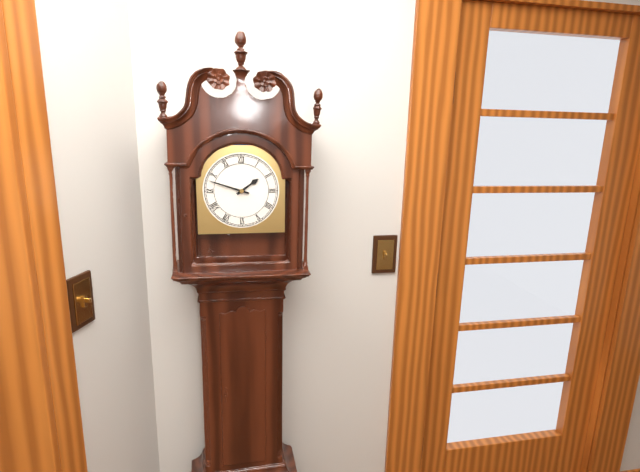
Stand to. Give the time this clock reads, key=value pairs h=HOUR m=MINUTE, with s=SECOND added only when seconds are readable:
h=1 m=48
